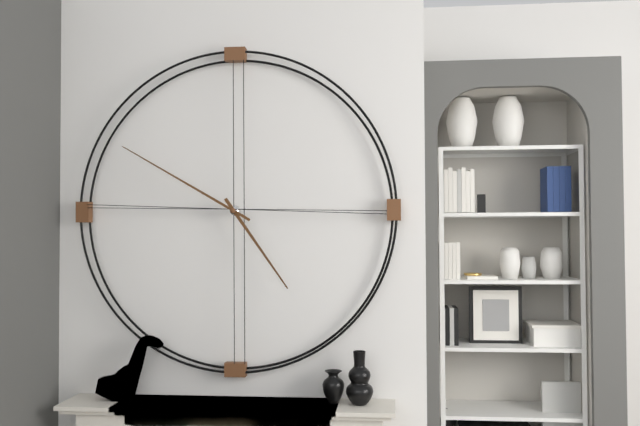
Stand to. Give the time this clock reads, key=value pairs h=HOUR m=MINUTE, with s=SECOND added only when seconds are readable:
h=4 m=50
